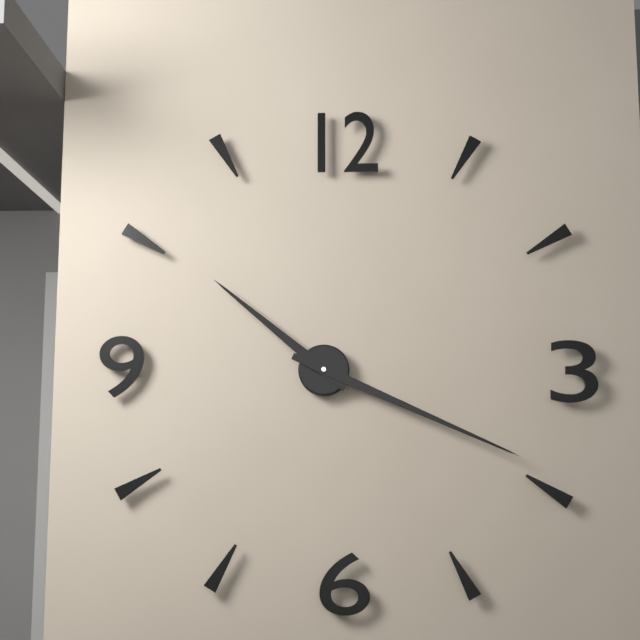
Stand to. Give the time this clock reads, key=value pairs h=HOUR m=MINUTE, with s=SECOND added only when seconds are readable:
h=10 m=19
